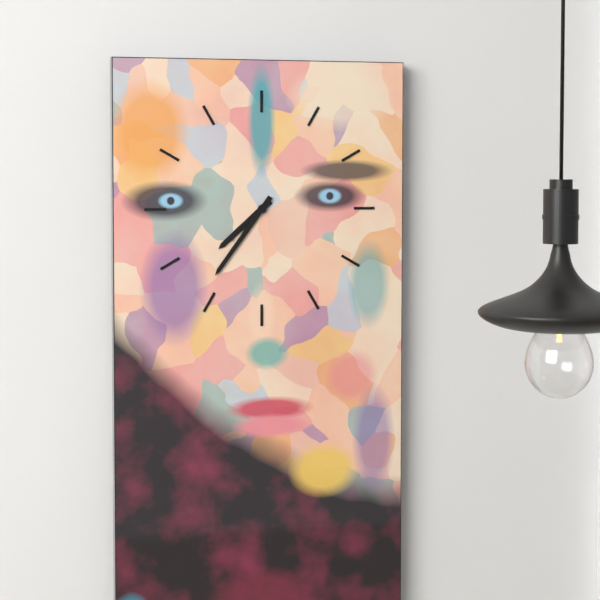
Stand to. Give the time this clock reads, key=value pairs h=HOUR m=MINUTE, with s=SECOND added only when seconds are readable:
h=7 m=36
